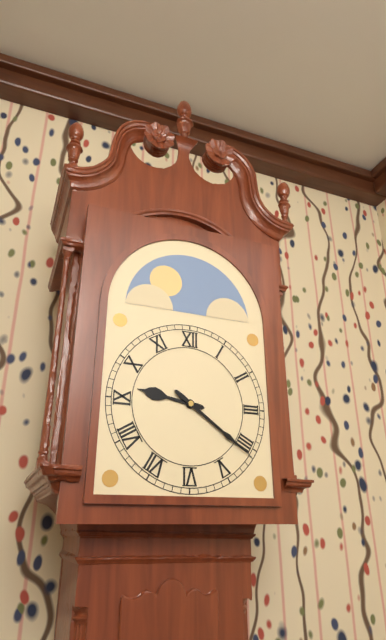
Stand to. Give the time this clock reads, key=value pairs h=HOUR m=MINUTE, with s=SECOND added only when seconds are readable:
h=9 m=21
